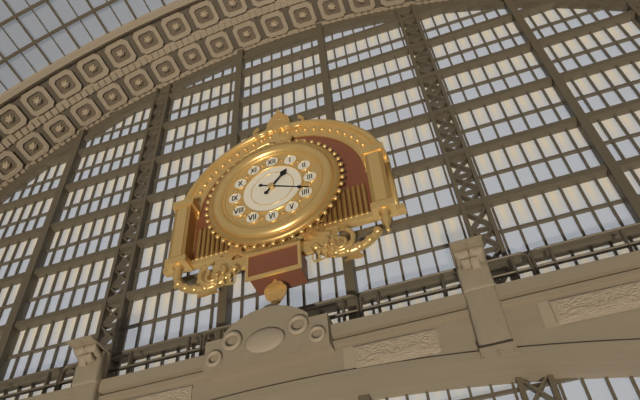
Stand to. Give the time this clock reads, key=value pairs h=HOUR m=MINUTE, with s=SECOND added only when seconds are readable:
h=1 m=19
